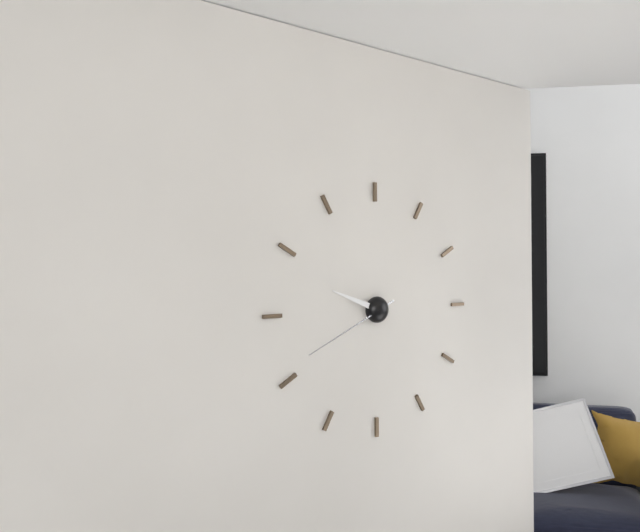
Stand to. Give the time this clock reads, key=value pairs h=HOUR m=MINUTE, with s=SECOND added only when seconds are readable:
h=9 m=41
